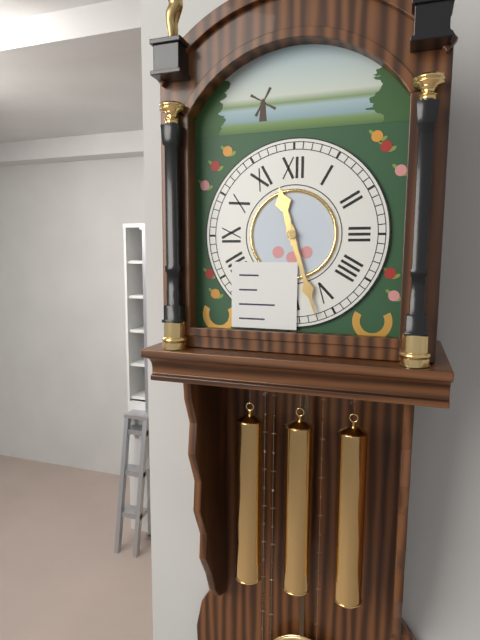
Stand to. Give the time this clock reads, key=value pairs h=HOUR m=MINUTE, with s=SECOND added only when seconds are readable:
h=11 m=27
